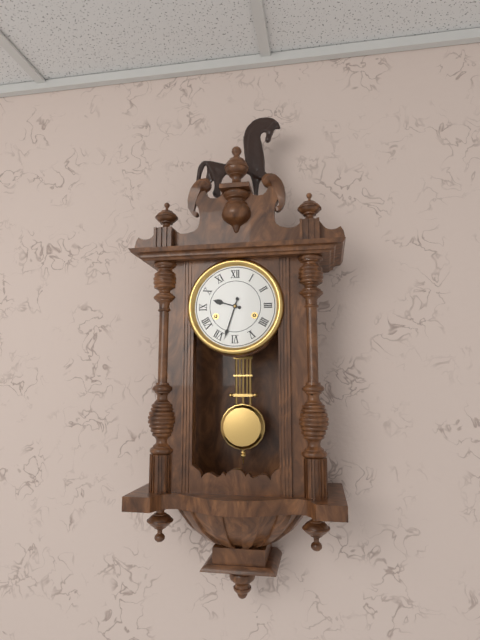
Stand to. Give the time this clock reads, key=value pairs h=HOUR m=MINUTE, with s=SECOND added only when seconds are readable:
h=9 m=33
